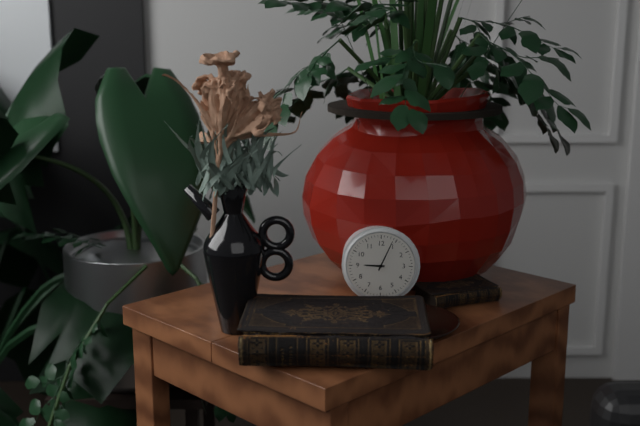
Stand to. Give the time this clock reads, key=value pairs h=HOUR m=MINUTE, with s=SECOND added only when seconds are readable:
h=9 m=4
